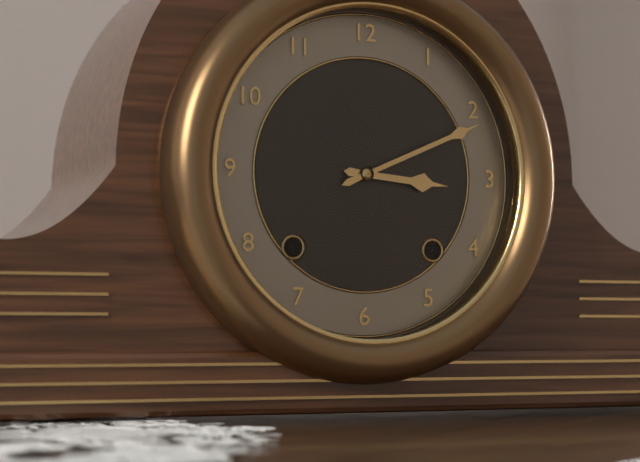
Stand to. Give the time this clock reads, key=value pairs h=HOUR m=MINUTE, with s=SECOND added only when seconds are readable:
h=3 m=11
